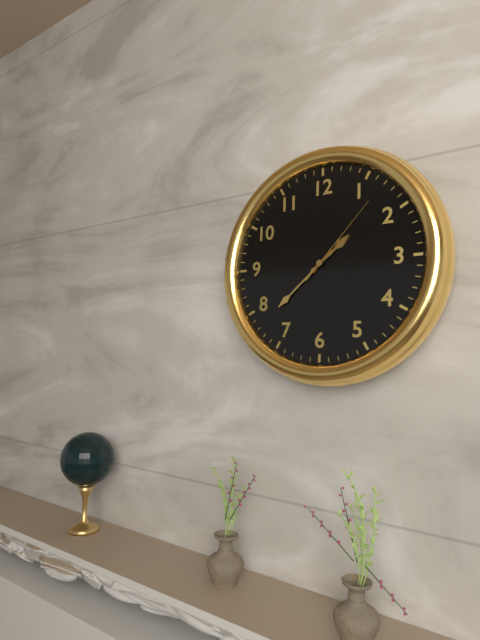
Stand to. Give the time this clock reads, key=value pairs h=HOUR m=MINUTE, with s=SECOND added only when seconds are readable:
h=1 m=38 s=7
